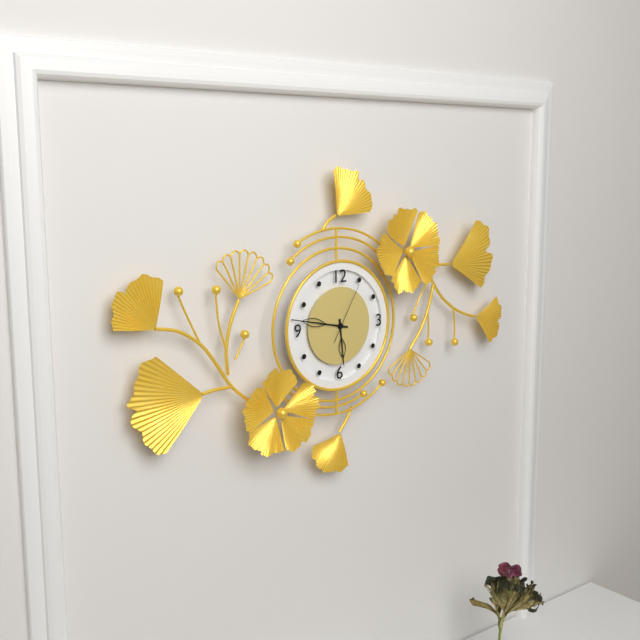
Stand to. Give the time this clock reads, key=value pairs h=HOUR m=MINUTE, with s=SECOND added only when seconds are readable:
h=5 m=47 s=5
